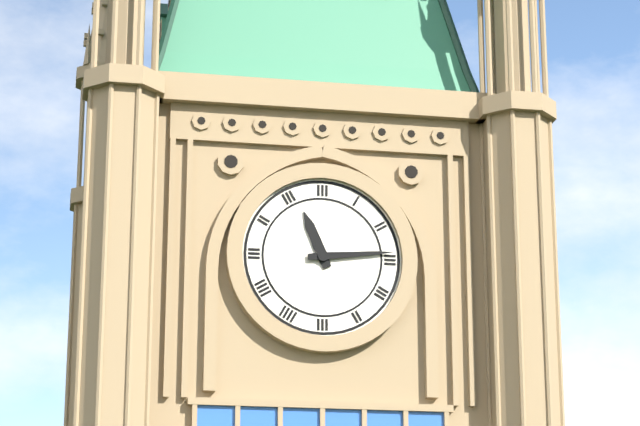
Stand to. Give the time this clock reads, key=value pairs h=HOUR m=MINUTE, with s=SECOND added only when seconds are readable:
h=11 m=14
